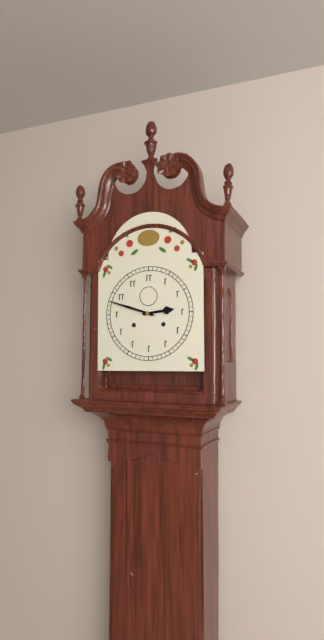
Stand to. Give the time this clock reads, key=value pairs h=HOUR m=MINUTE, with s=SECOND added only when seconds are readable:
h=2 m=48
